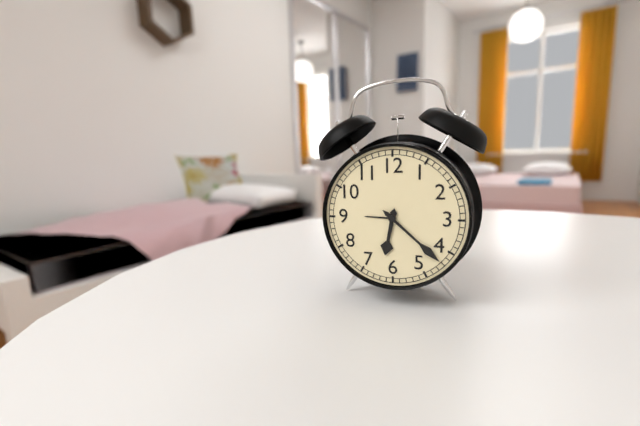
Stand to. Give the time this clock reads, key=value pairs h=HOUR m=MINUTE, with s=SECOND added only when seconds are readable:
h=6 m=22
